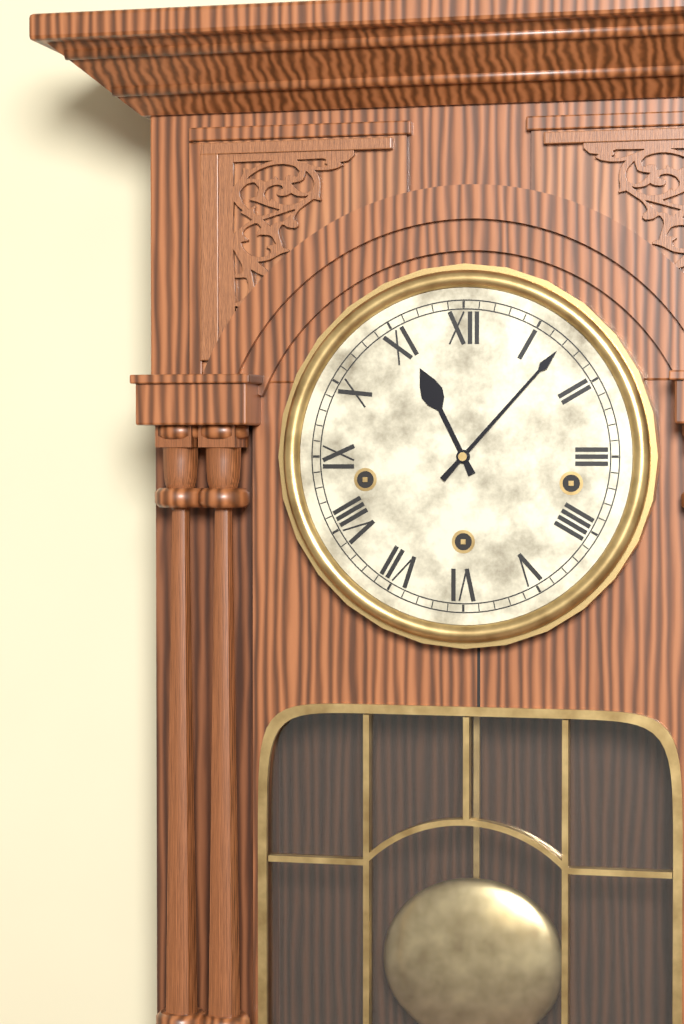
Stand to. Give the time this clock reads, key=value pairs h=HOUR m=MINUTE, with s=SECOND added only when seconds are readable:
h=11 m=7
